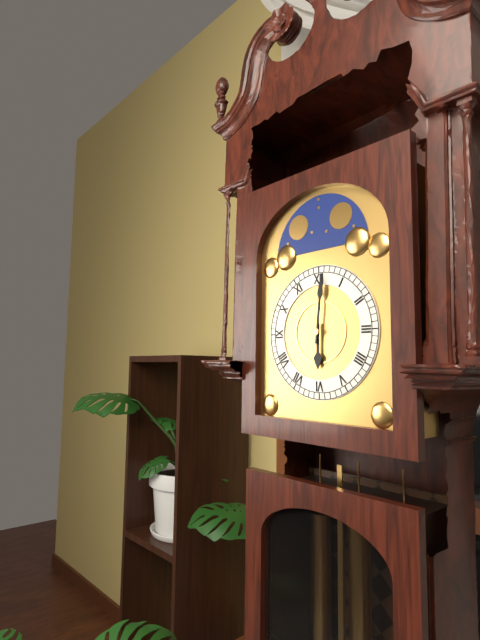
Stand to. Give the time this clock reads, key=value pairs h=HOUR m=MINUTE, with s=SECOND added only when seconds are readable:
h=6 m=1
